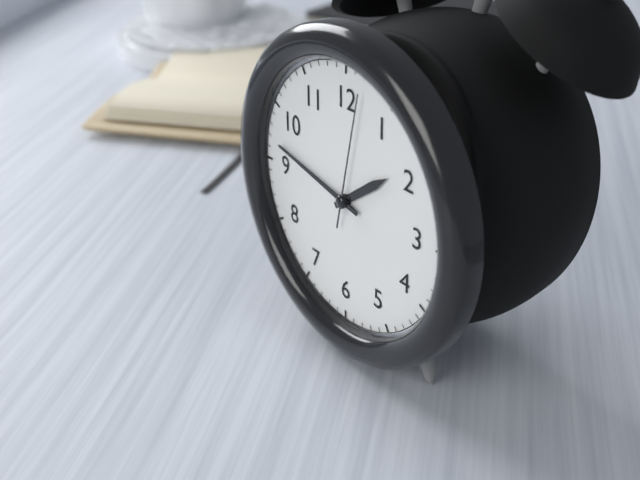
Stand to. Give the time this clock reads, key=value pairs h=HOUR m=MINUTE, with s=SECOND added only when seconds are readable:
h=1 m=47 s=2
